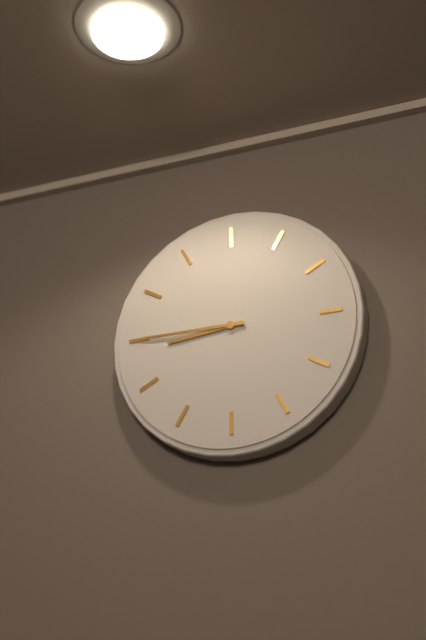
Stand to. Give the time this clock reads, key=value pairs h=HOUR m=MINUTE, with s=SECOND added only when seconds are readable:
h=8 m=45
